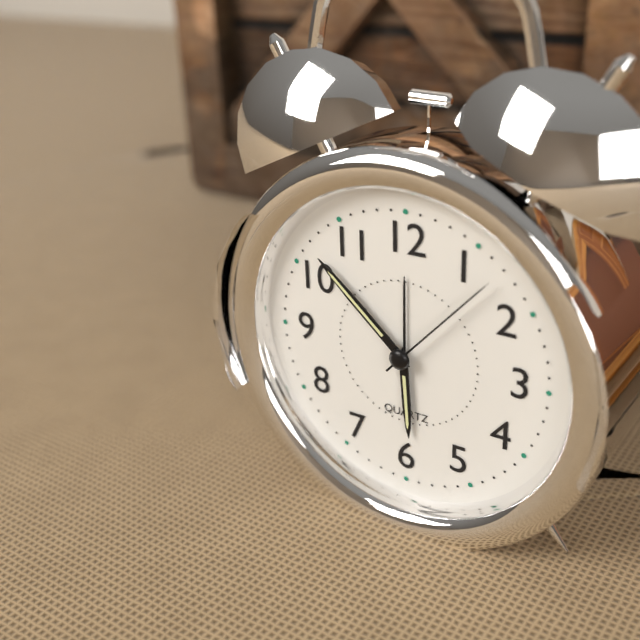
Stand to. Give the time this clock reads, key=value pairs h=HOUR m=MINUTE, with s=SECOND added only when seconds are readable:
h=5 m=52 s=7
